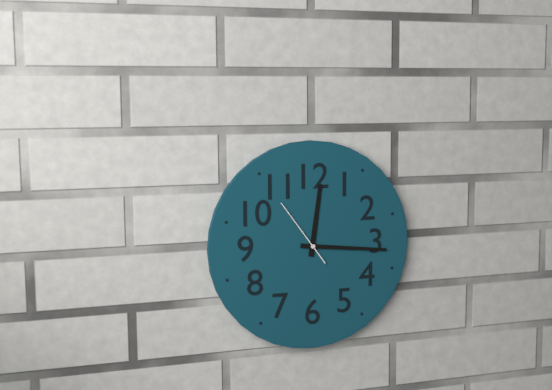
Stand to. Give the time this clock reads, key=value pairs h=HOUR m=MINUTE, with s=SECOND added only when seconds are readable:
h=12 m=16 s=54
